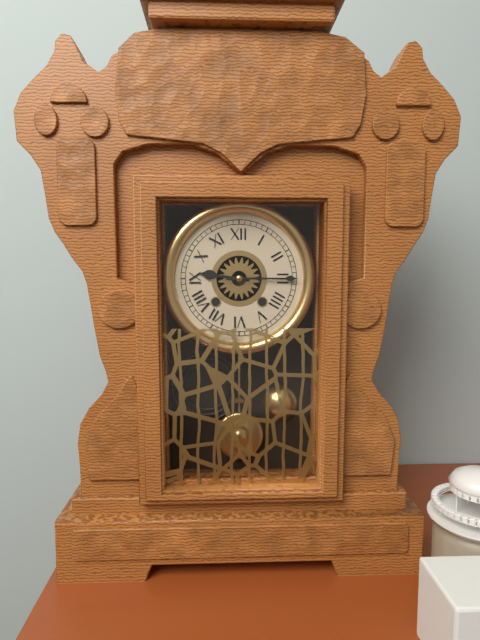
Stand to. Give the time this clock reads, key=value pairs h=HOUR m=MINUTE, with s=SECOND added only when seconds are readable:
h=9 m=15
